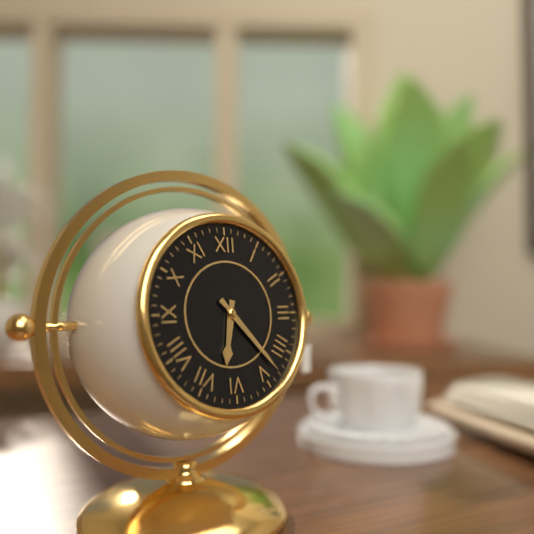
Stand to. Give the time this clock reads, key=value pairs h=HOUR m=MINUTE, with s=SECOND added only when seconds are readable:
h=6 m=23
